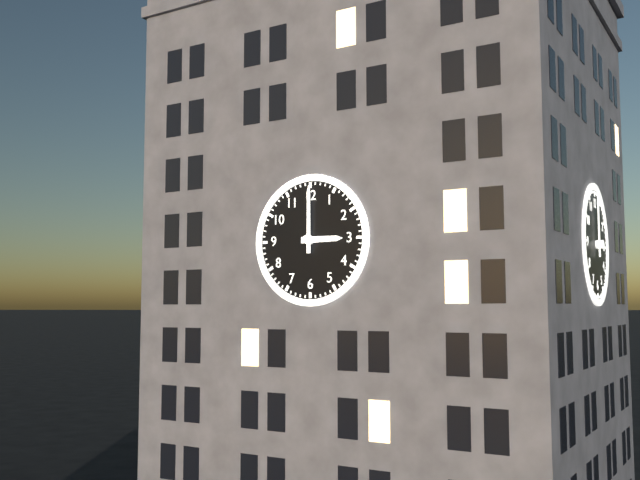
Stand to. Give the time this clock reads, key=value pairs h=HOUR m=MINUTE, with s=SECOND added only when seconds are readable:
h=3 m=0
